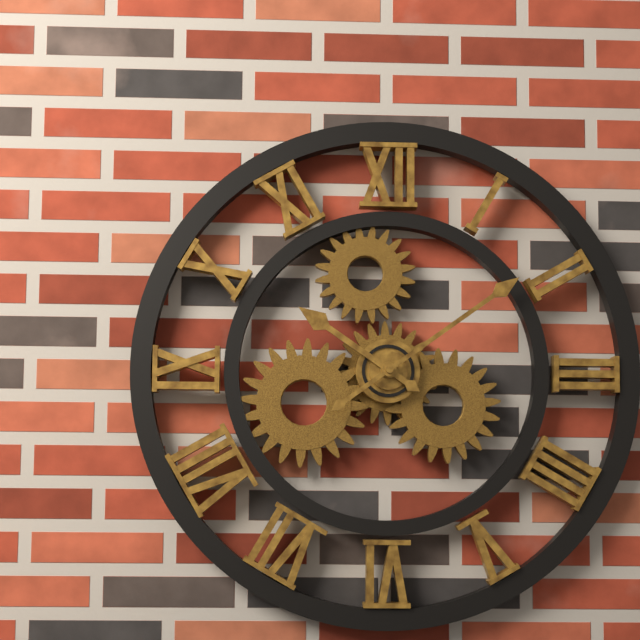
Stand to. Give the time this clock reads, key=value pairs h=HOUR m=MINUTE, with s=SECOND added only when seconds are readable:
h=10 m=9
